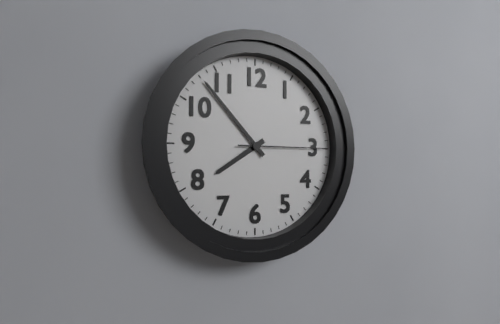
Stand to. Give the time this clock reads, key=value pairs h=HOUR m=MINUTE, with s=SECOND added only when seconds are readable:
h=7 m=53 s=15
